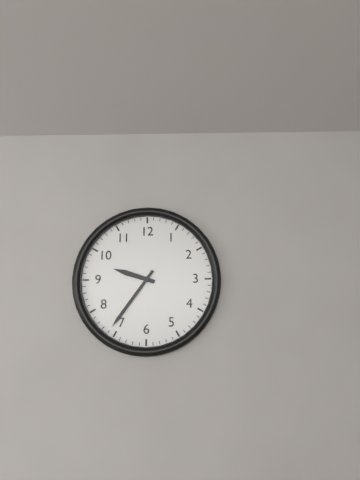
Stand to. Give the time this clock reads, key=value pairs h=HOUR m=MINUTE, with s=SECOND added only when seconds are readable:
h=9 m=36
